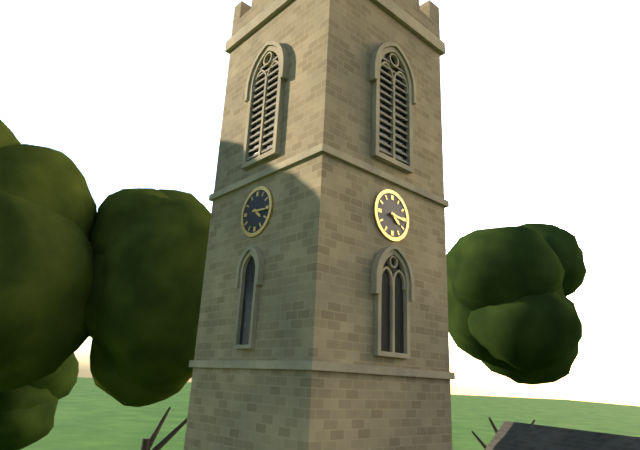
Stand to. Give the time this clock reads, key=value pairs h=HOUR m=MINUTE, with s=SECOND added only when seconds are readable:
h=4 m=16
